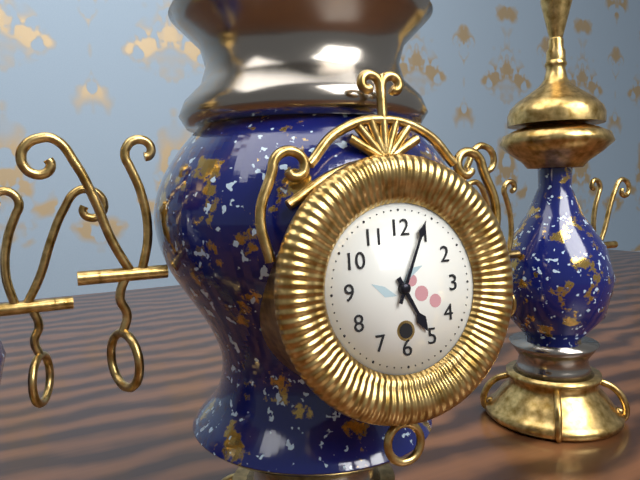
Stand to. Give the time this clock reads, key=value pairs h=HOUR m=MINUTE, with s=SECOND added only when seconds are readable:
h=5 m=4
